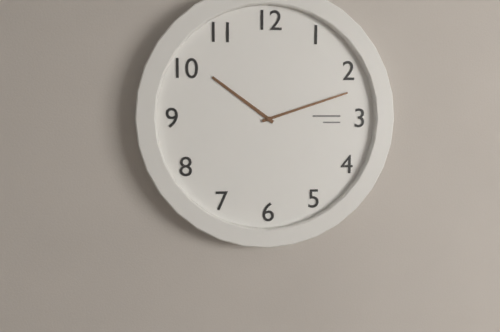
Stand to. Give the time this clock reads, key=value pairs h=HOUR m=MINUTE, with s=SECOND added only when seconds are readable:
h=10 m=12
